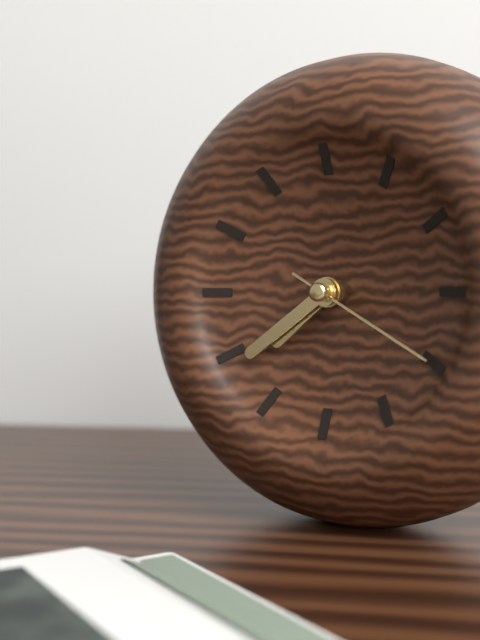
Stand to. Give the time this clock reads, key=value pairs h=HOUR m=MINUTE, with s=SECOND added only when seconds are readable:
h=7 m=39 s=20
